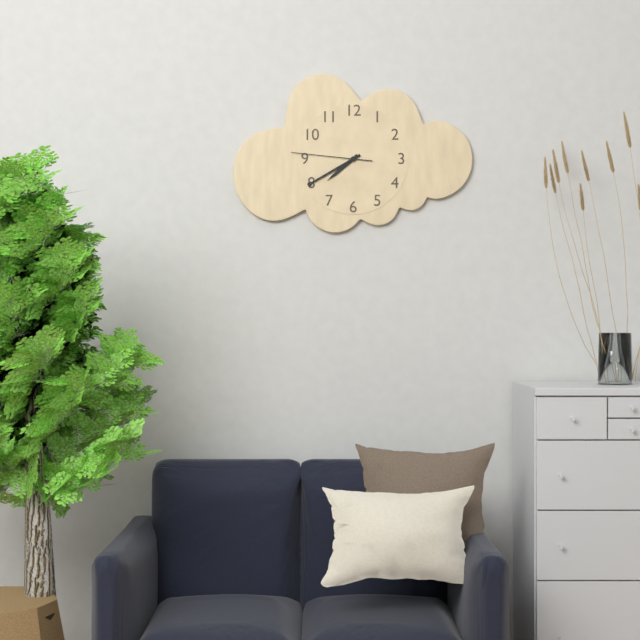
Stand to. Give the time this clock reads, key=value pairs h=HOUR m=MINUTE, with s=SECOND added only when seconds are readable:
h=7 m=40 s=46
